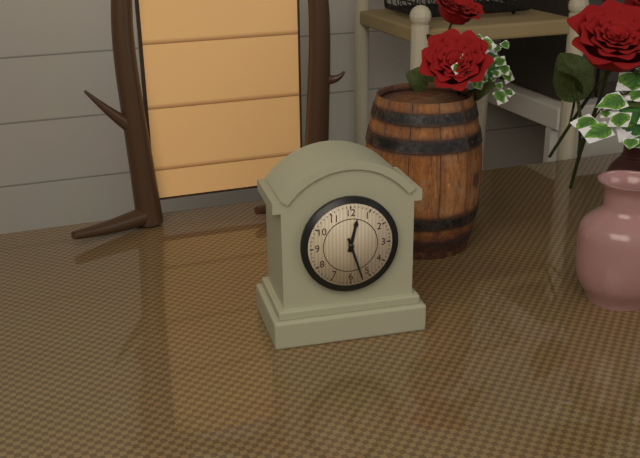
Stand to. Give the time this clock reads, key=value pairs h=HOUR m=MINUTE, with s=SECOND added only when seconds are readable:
h=12 m=27
